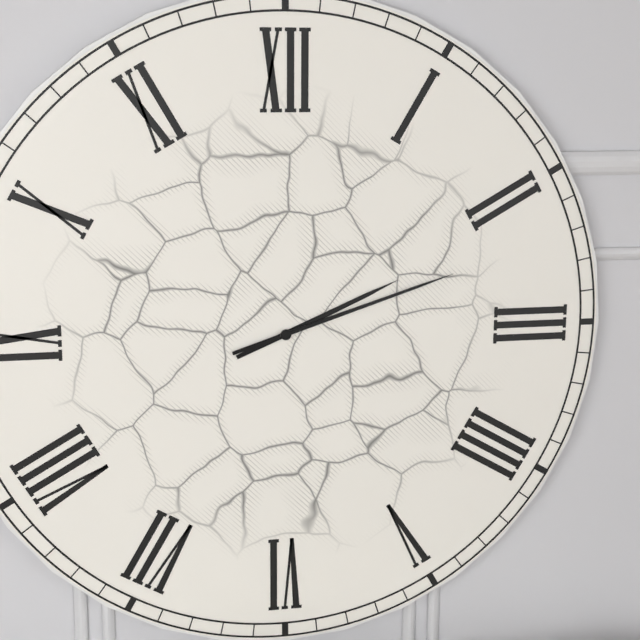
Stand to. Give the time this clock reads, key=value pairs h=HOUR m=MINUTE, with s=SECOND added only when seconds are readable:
h=2 m=12
